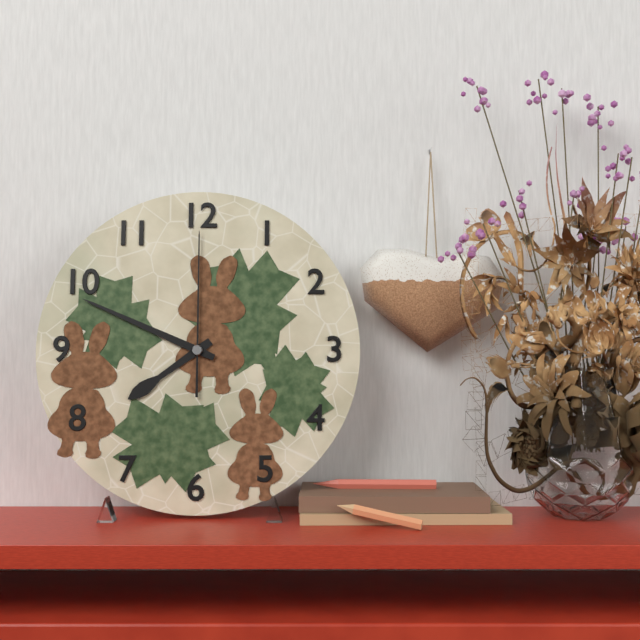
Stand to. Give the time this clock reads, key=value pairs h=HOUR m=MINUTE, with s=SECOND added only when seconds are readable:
h=7 m=49 s=0
